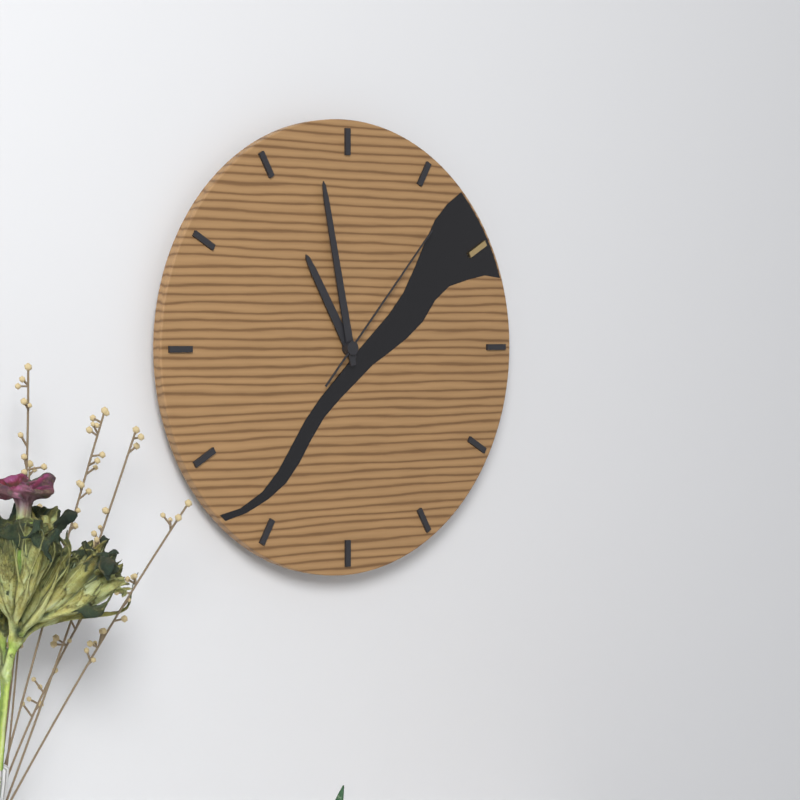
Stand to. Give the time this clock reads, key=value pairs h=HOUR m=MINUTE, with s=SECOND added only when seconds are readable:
h=10 m=58 s=7
